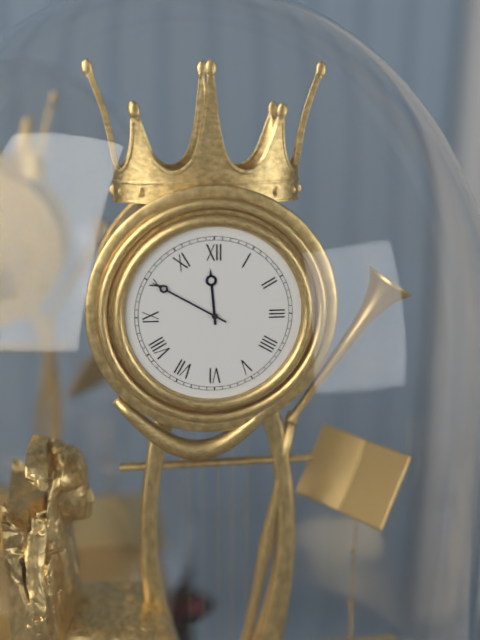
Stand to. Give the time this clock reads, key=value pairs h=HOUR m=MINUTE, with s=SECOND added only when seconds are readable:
h=11 m=50
